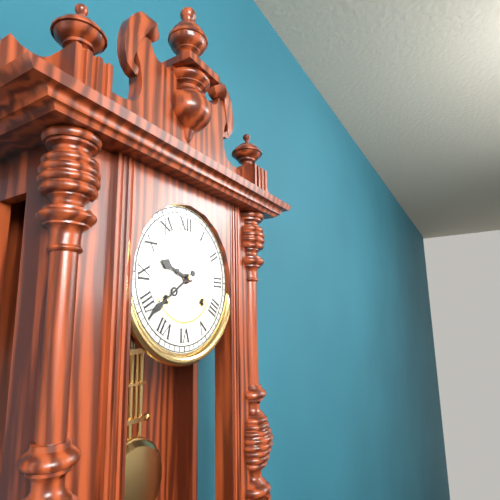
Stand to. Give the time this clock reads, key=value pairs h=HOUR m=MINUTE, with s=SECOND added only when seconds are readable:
h=9 m=39
